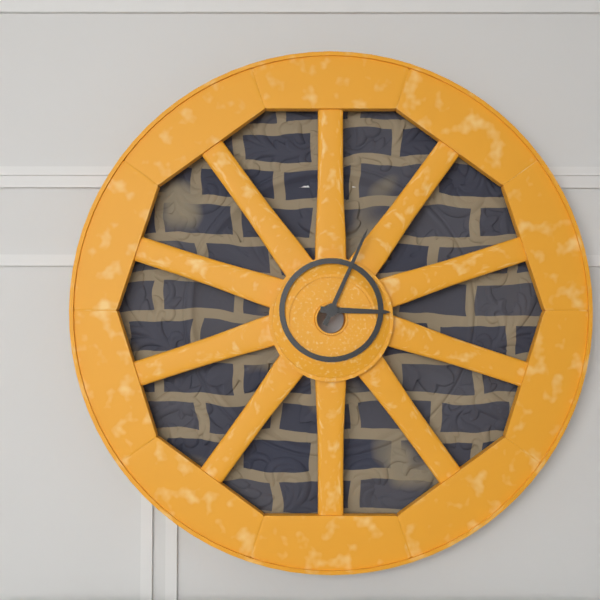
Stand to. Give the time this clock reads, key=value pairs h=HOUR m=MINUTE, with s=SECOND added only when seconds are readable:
h=3 m=4
